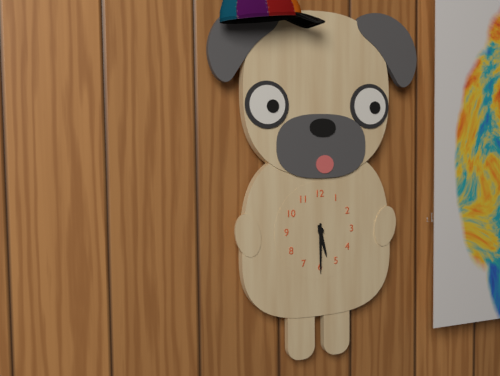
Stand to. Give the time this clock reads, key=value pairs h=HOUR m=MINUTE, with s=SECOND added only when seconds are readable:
h=5 m=30
